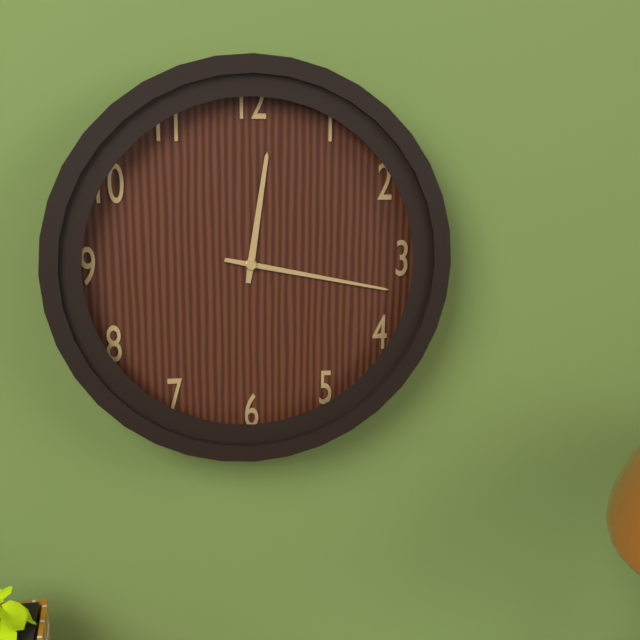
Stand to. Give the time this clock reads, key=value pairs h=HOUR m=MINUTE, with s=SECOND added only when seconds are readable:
h=12 m=17
